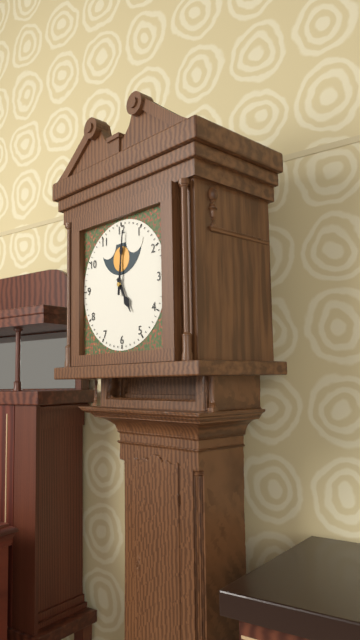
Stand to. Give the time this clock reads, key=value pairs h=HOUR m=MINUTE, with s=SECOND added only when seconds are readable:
h=5 m=1
